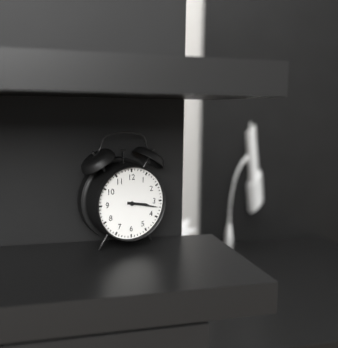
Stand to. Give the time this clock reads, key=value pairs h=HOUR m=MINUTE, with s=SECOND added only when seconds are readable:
h=3 m=17
